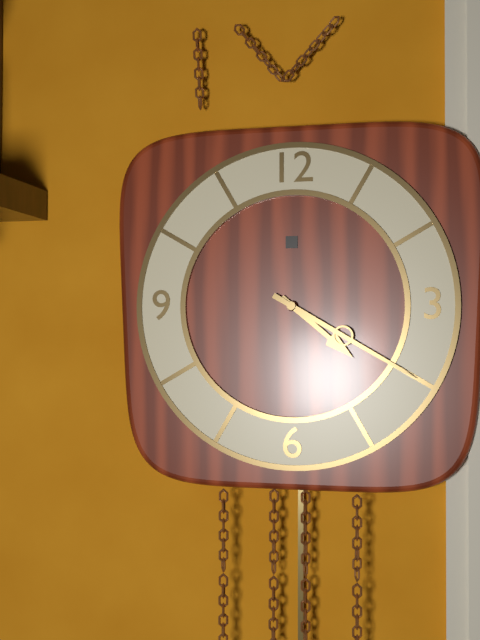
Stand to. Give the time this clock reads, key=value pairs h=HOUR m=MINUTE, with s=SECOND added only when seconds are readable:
h=4 m=20
